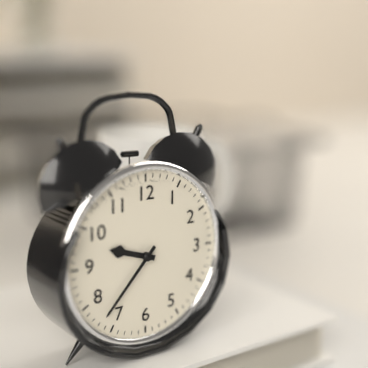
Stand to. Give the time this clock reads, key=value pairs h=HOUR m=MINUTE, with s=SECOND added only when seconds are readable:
h=9 m=37
